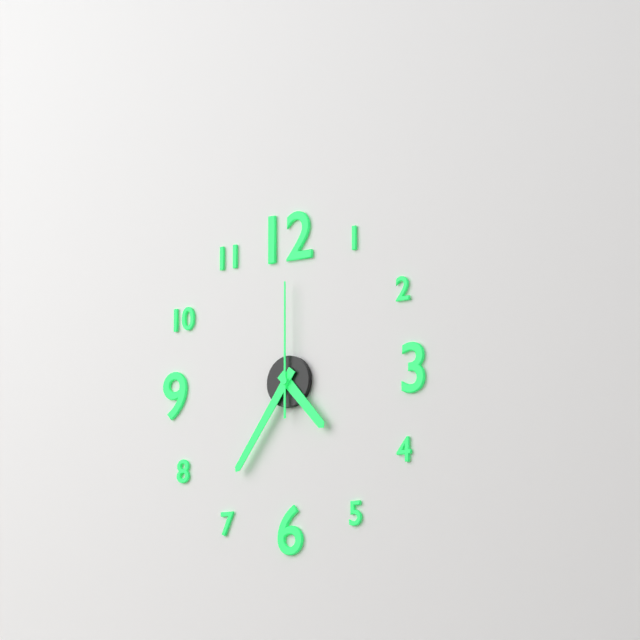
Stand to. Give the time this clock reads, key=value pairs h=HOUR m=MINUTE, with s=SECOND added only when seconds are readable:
h=4 m=36 s=0
